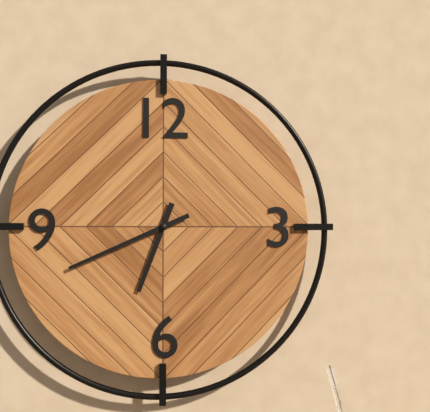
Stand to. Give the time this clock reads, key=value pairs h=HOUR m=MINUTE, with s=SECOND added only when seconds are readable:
h=6 m=41
